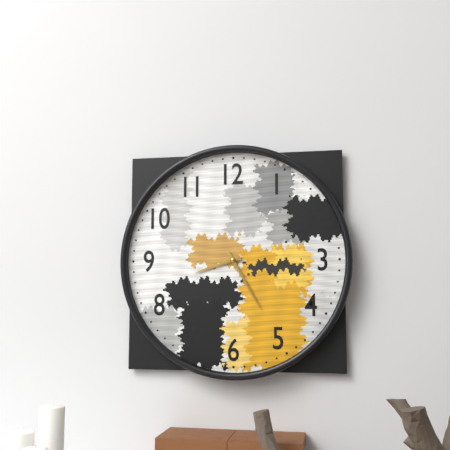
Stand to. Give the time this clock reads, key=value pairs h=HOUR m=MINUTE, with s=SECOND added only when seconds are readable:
h=8 m=25
